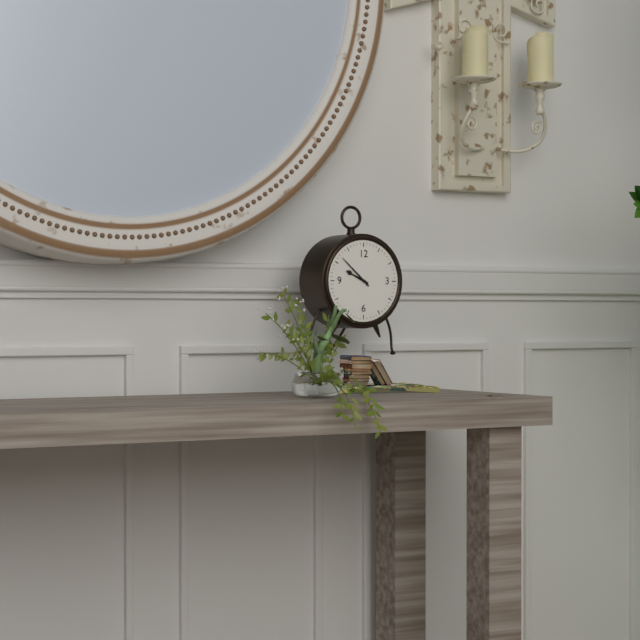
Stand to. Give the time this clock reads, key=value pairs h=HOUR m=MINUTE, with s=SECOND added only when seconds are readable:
h=9 m=52
